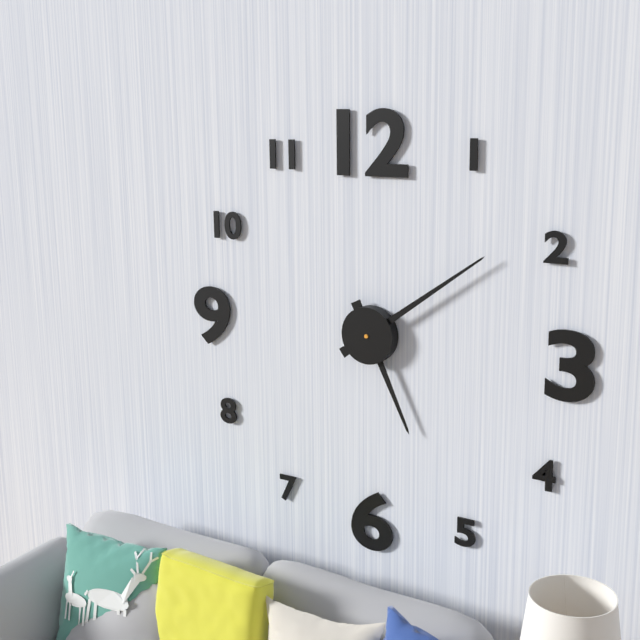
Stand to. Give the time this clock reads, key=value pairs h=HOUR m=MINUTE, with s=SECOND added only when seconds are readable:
h=5 m=9
